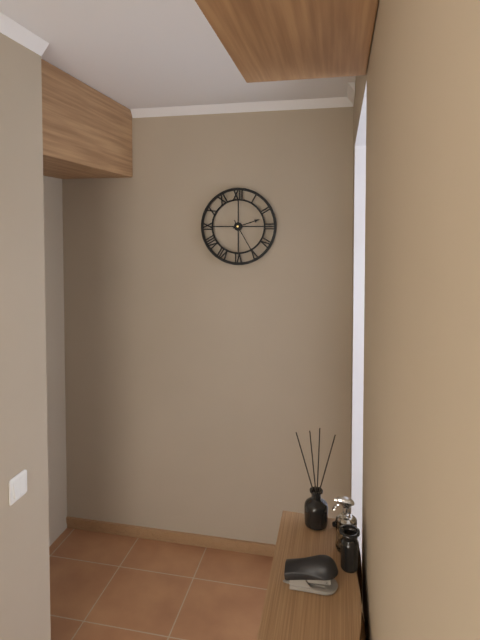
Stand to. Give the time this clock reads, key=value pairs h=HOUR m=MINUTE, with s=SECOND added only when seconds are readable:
h=2 m=25
